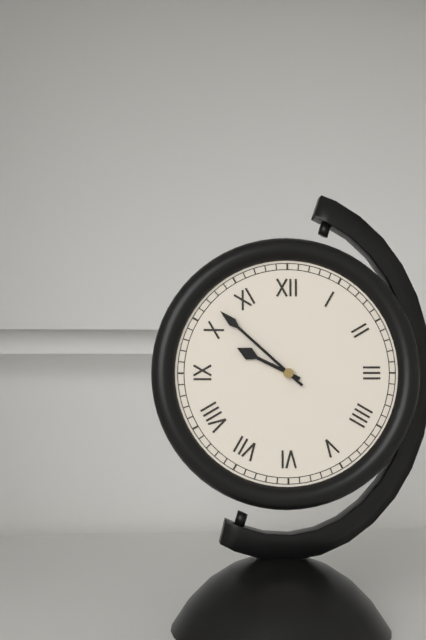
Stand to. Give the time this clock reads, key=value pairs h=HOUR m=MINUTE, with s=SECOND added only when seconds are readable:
h=9 m=52
